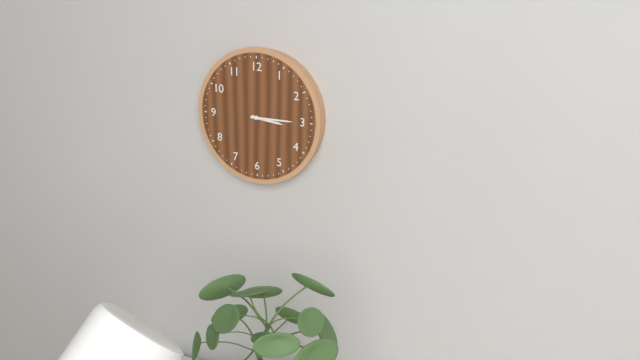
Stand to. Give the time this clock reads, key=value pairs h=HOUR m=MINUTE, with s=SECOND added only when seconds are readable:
h=3 m=15
